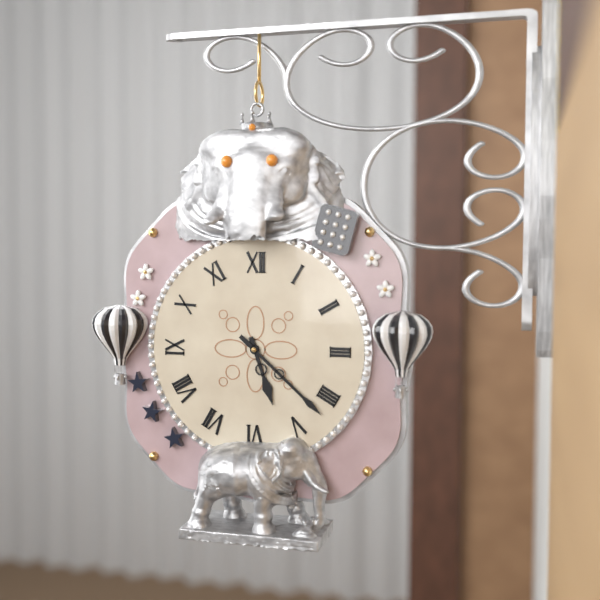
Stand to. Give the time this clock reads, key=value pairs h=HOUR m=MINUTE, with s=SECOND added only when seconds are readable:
h=5 m=22
